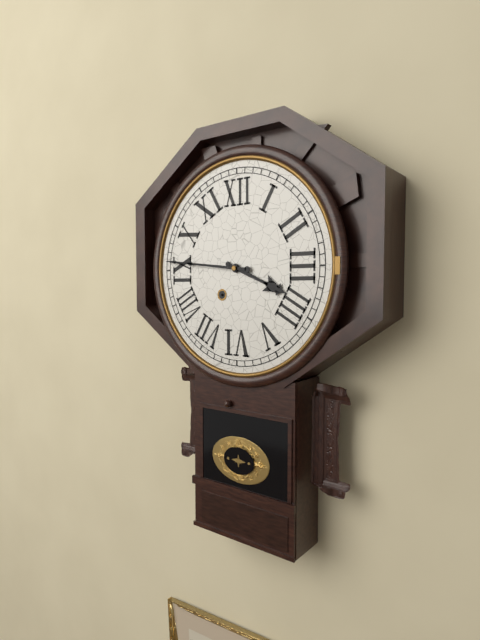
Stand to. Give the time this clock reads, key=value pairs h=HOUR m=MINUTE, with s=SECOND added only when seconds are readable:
h=3 m=46
